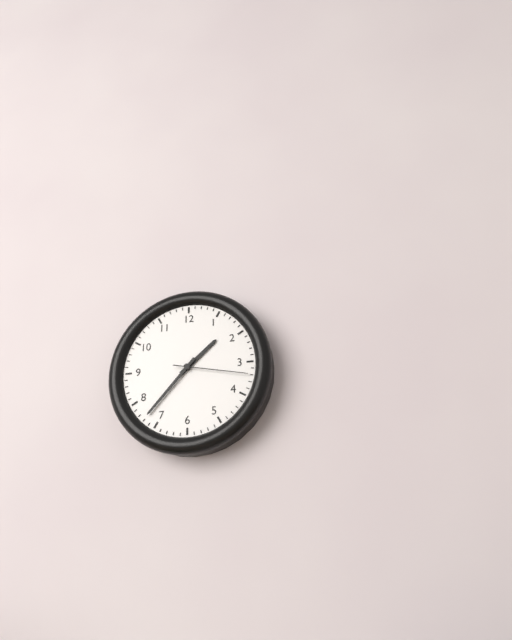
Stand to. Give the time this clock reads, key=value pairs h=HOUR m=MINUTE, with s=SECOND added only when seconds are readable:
h=1 m=37 s=17
